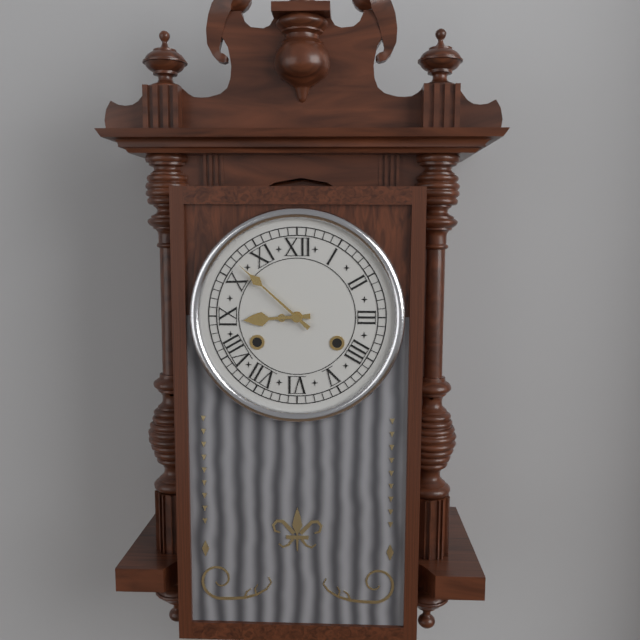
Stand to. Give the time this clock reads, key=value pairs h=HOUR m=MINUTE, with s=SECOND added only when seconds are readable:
h=8 m=52
